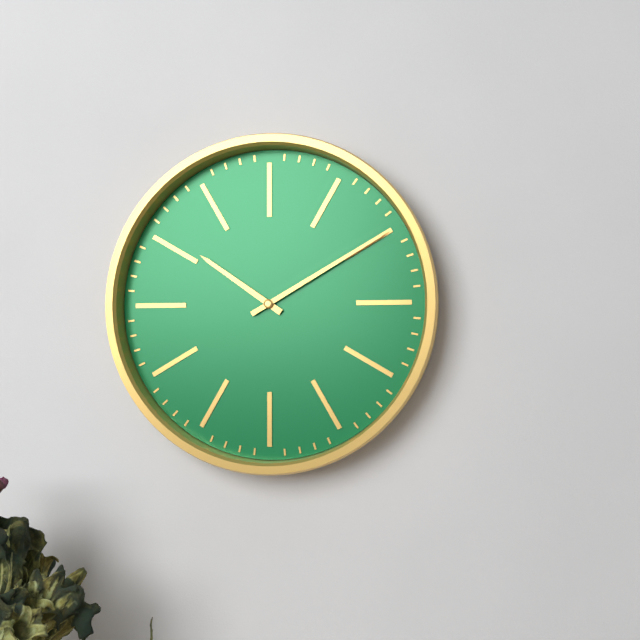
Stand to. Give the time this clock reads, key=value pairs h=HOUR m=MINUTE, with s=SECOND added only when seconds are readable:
h=10 m=10
